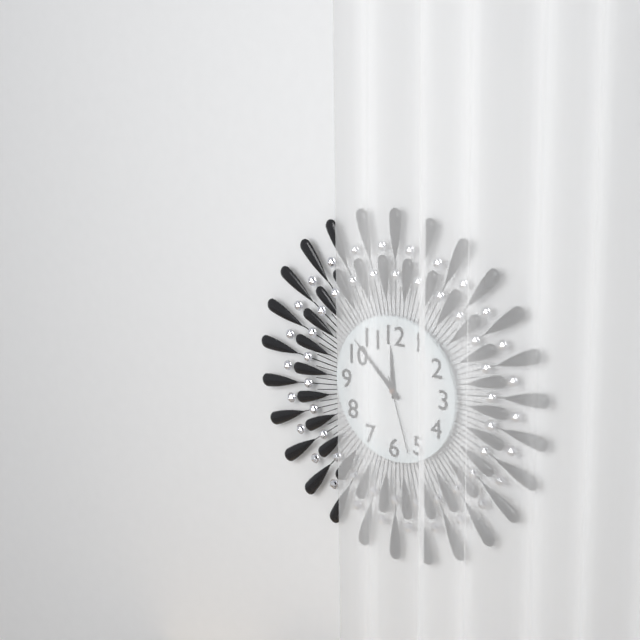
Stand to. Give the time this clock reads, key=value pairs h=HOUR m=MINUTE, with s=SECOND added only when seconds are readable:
h=11 m=52 s=27
